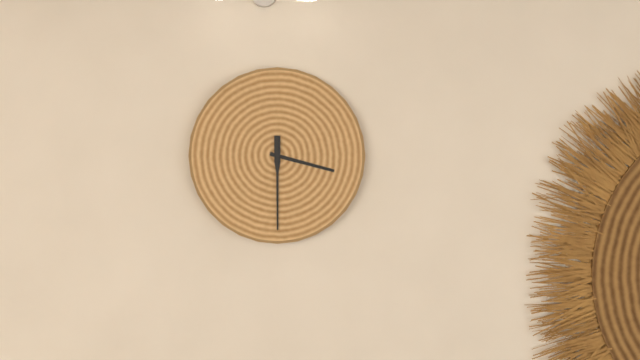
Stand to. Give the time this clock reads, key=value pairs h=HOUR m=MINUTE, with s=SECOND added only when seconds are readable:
h=3 m=30
